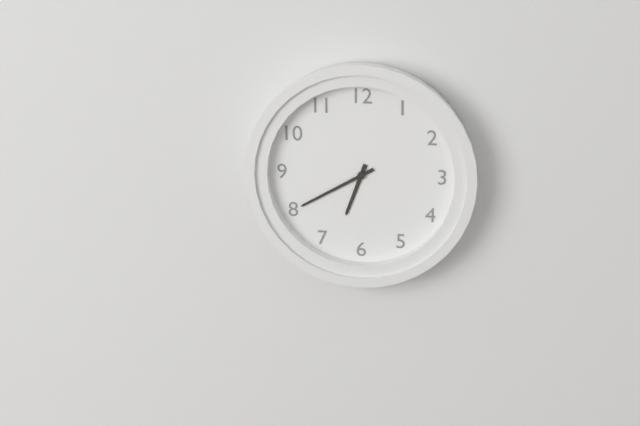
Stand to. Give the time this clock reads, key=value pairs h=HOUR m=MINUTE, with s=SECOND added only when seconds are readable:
h=6 m=40
